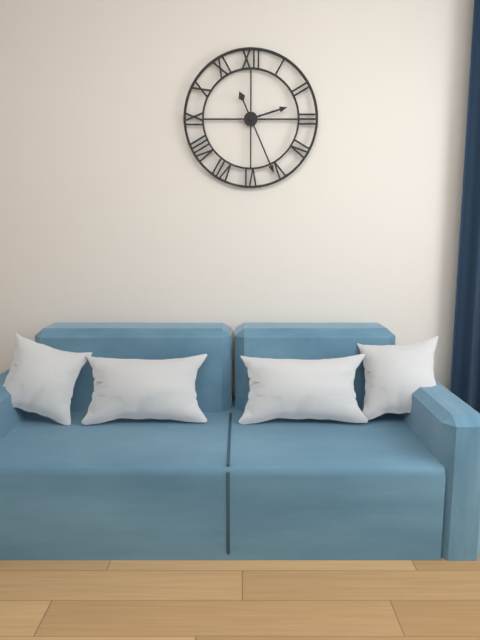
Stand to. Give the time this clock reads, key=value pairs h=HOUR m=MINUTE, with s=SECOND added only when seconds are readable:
h=2 m=26
